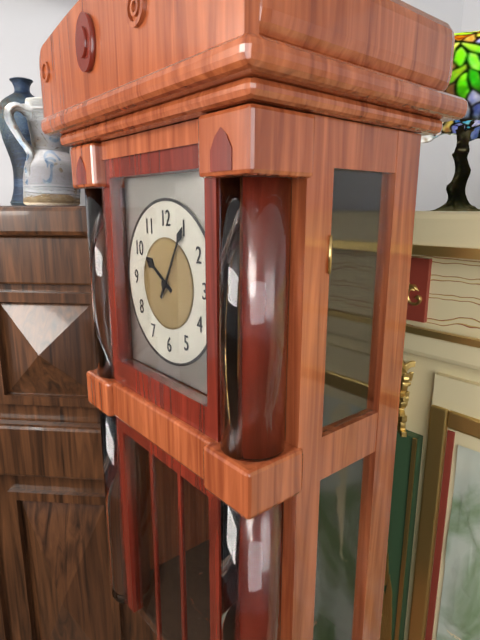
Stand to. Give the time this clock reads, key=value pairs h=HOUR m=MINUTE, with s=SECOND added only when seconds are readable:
h=10 m=5
